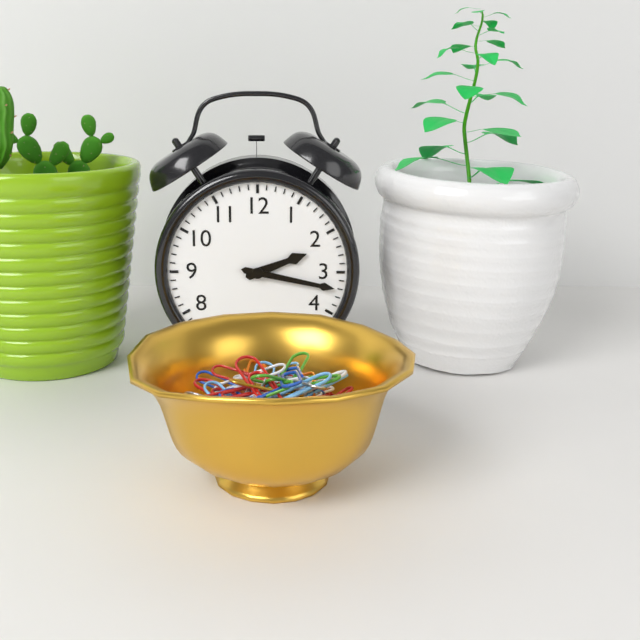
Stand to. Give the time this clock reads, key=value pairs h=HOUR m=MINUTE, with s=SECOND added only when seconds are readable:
h=2 m=17
